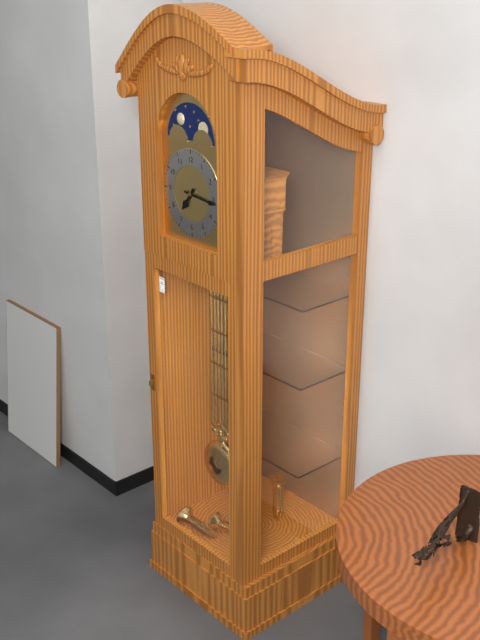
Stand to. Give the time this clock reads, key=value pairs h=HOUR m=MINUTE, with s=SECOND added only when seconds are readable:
h=7 m=16
